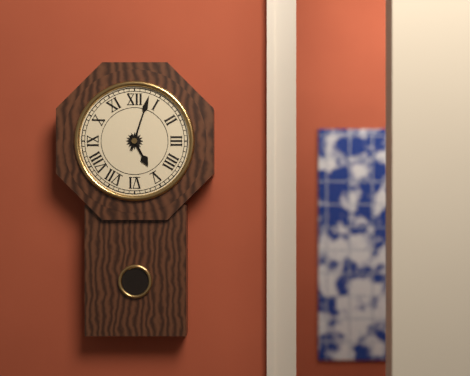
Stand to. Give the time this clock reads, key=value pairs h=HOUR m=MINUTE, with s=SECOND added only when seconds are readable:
h=5 m=3
